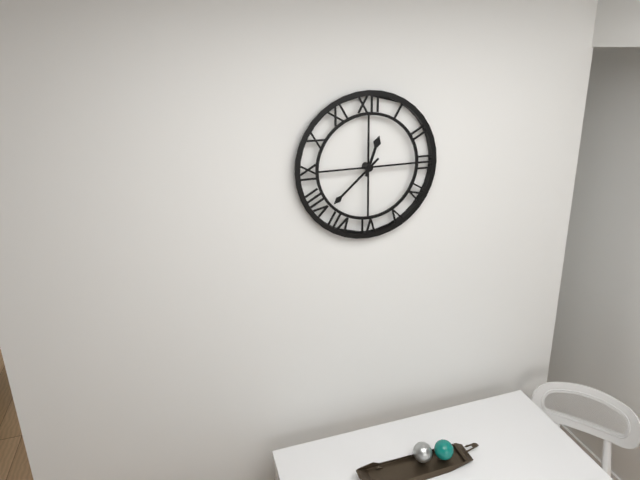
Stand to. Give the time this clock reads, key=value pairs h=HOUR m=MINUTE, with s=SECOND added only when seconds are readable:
h=12 m=38
